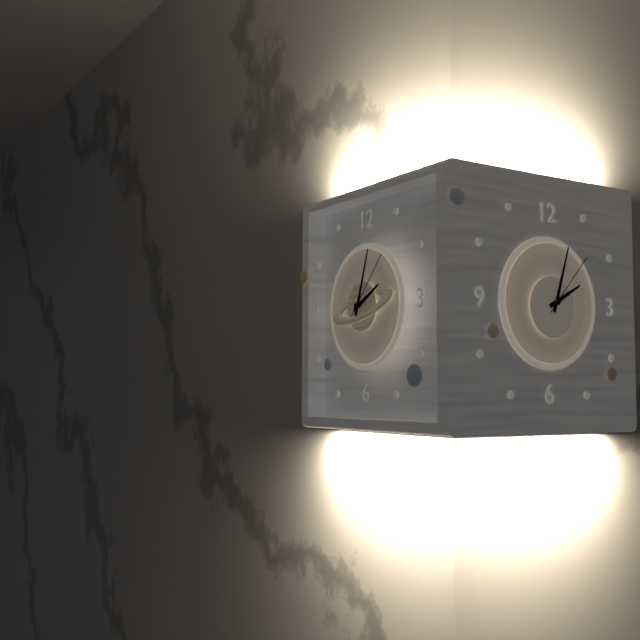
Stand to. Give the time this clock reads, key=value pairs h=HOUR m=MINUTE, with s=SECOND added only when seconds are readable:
h=2 m=3 s=7
